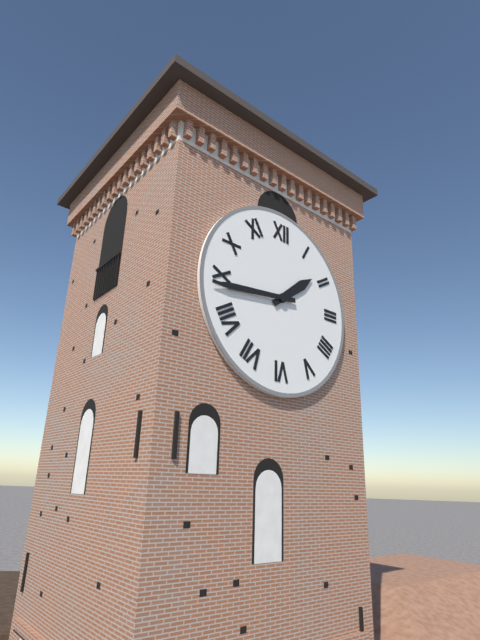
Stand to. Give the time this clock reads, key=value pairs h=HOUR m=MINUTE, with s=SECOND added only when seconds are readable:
h=1 m=44
